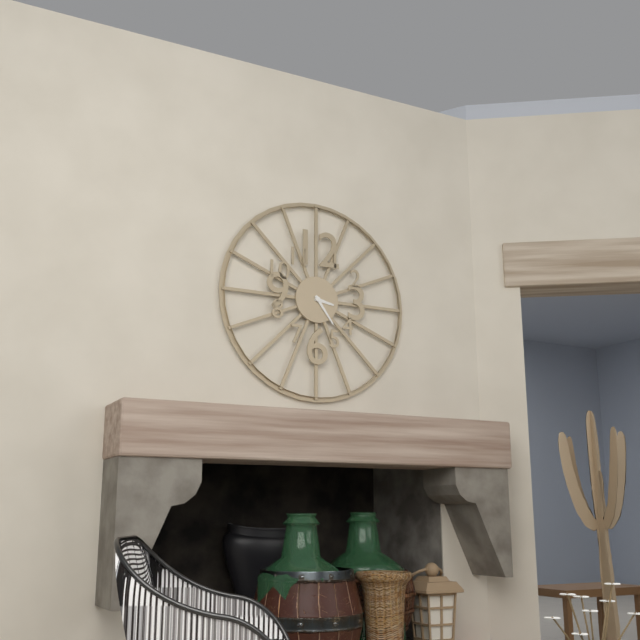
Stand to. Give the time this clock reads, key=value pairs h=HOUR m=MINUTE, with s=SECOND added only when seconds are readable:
h=3 m=24
